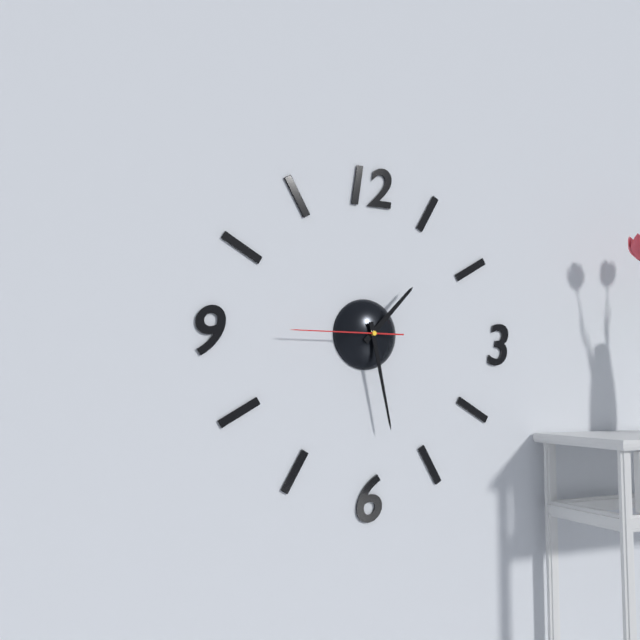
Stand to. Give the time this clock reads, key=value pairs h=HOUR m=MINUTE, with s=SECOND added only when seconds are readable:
h=1 m=28 s=45
